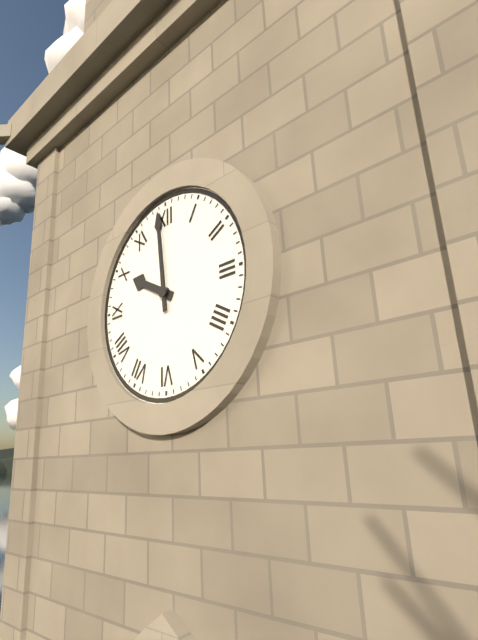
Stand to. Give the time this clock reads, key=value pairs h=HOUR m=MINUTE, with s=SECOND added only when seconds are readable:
h=9 m=59
